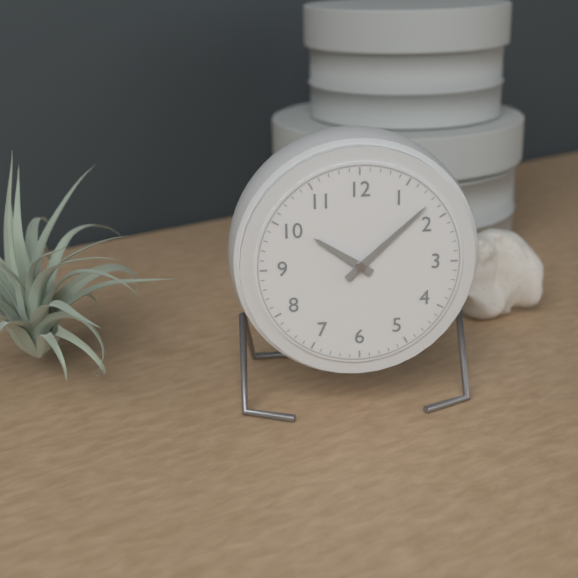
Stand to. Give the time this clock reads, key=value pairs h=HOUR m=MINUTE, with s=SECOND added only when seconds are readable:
h=10 m=8
